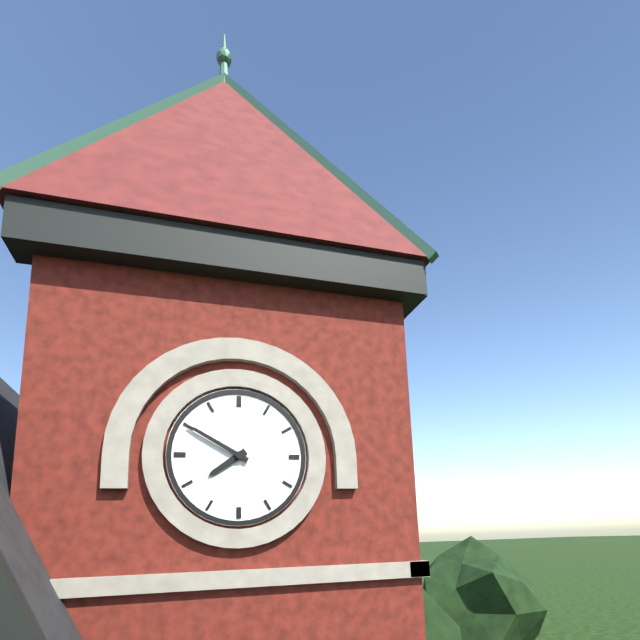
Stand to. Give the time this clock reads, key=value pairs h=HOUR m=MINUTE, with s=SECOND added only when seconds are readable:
h=7 m=50
